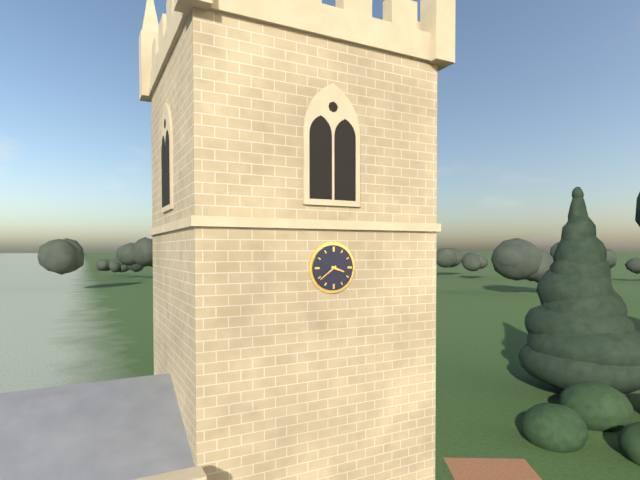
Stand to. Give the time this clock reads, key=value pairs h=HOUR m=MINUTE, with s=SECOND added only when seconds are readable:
h=3 m=39
